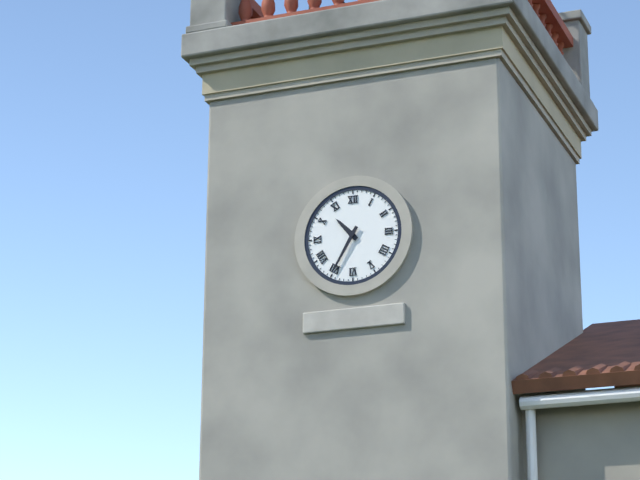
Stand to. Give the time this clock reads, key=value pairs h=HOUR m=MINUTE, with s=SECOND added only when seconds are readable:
h=10 m=35
